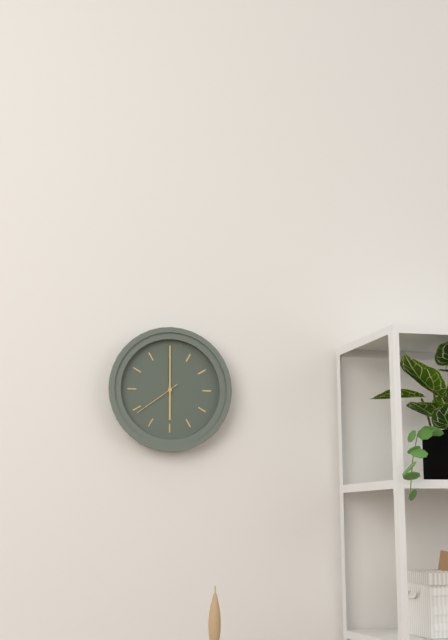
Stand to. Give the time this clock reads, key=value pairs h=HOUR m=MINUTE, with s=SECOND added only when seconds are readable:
h=6 m=0
